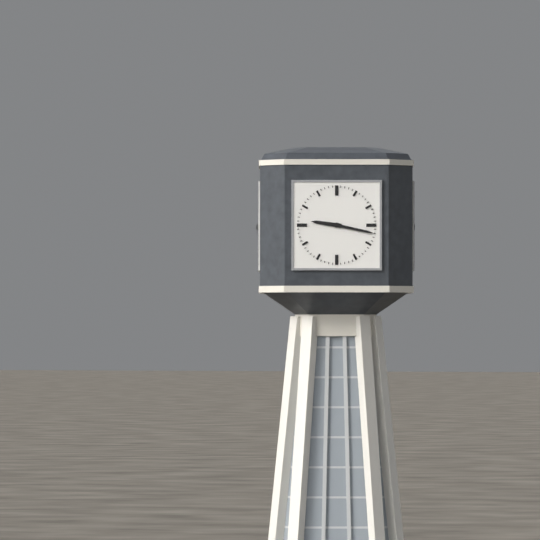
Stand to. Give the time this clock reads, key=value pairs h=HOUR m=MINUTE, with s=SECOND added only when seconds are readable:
h=9 m=17
